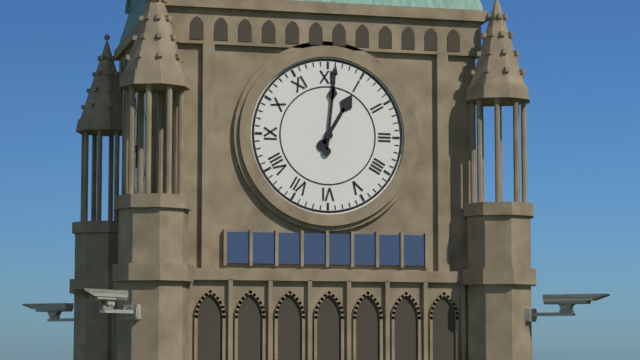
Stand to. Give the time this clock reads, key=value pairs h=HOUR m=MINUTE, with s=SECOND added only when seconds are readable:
h=1 m=1
